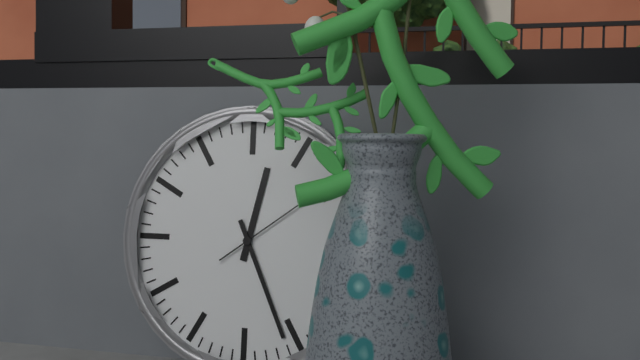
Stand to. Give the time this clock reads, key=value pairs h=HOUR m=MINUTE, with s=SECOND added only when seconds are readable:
h=12 m=26
